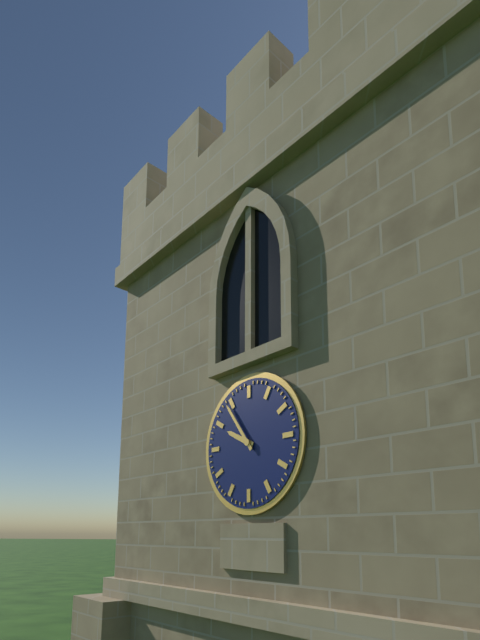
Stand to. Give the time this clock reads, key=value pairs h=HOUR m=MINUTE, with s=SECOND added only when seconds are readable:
h=9 m=54
